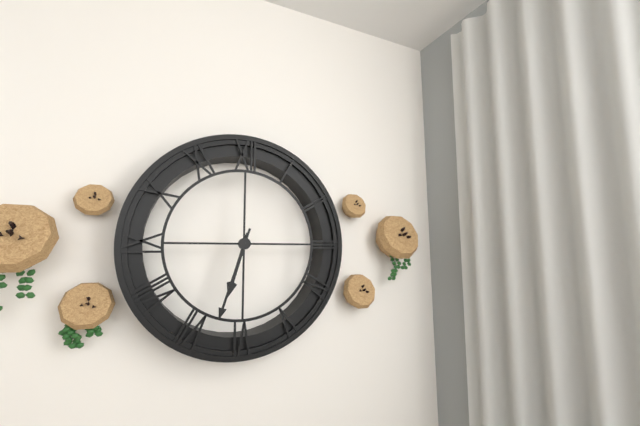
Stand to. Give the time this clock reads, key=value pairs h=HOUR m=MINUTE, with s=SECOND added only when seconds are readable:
h=6 m=33
